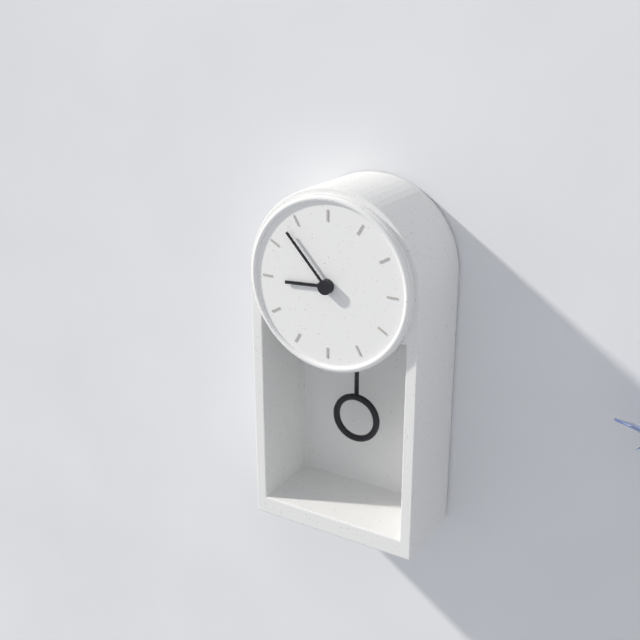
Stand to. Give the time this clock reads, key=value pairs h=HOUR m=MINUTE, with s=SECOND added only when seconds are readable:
h=8 m=53
